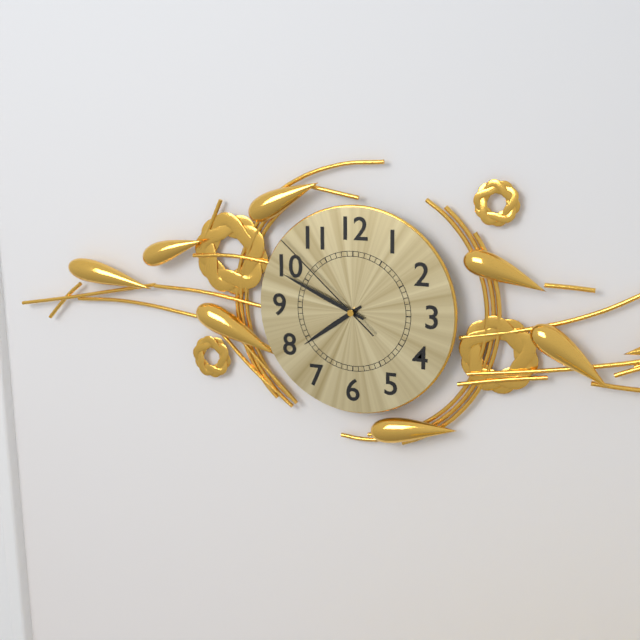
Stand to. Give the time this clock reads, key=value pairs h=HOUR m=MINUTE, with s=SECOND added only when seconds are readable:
h=7 m=49 s=52
